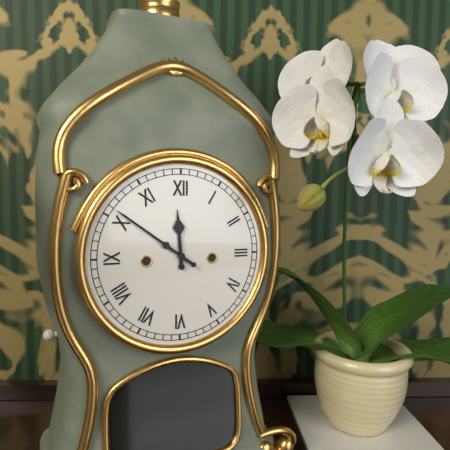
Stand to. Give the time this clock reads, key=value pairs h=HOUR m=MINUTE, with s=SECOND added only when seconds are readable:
h=11 m=51
